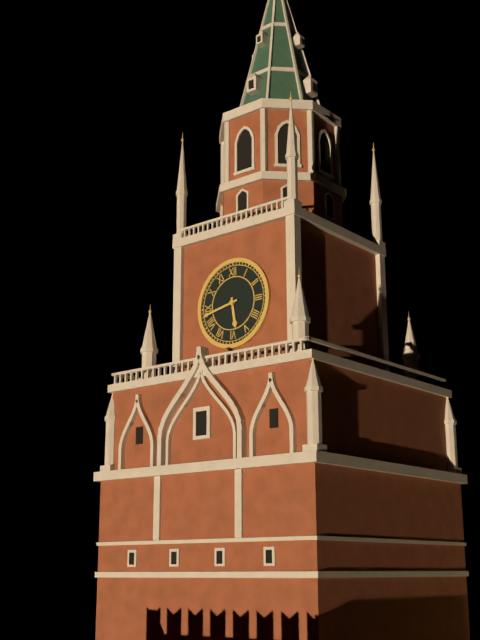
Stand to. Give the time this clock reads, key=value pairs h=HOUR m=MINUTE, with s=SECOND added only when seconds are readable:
h=5 m=43
